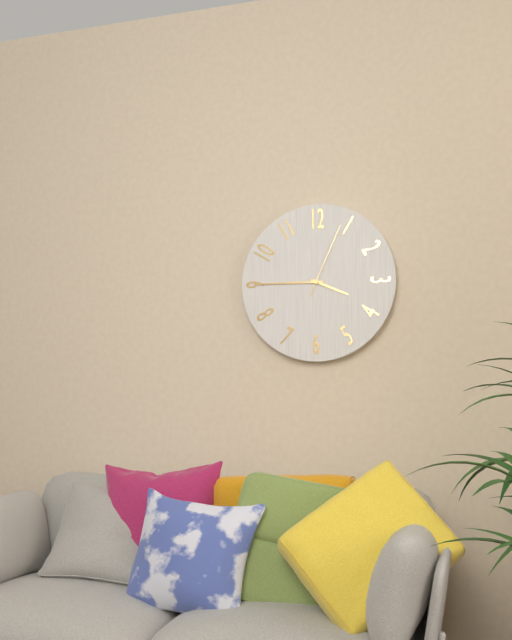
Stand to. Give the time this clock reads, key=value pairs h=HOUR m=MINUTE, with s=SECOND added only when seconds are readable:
h=3 m=45 s=4
